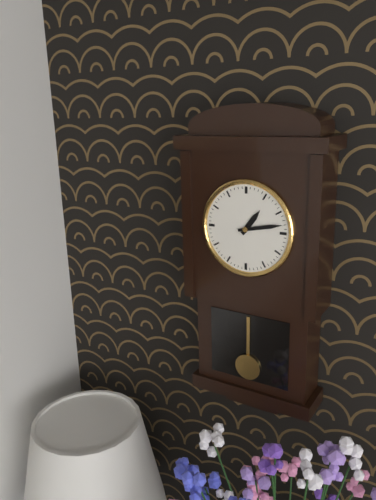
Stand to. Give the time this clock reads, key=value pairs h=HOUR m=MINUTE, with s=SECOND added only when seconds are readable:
h=1 m=13
